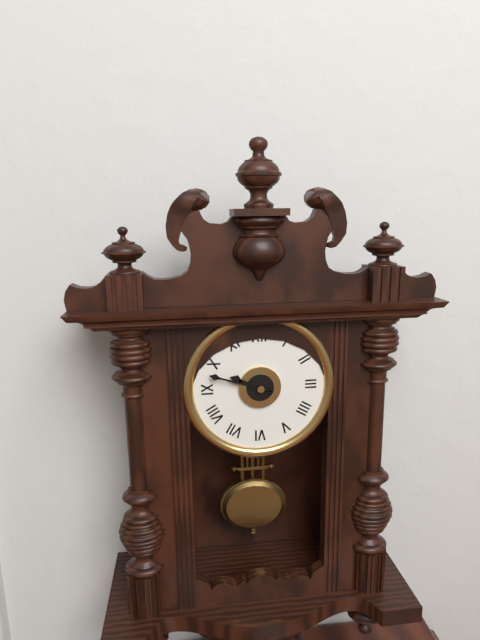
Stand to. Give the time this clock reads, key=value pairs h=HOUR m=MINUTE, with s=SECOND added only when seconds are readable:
h=9 m=48
